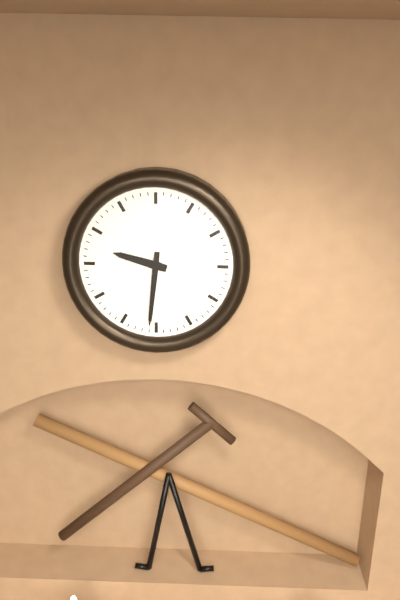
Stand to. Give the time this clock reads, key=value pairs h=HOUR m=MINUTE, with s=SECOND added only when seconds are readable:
h=9 m=31
